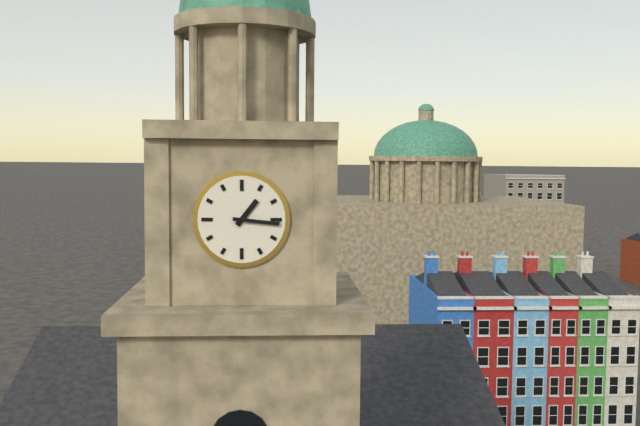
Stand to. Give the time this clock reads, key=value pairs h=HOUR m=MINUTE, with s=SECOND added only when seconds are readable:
h=1 m=16
